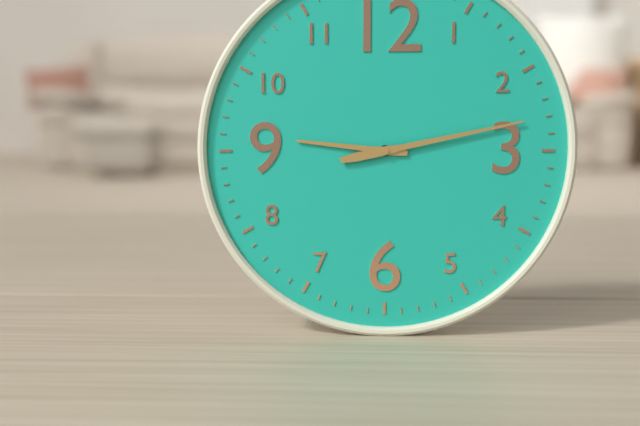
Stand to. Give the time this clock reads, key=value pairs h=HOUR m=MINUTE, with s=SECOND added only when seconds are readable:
h=9 m=13
